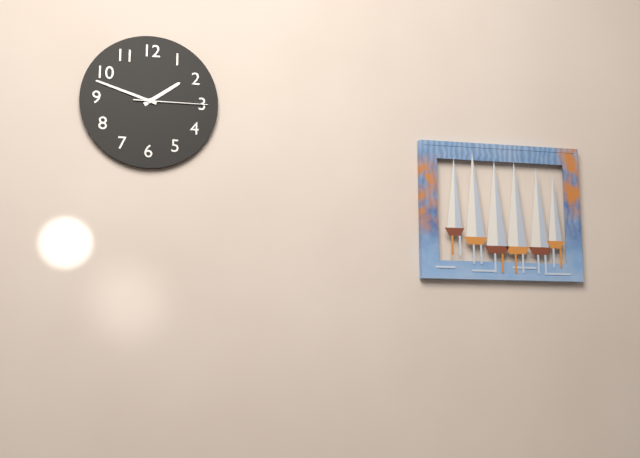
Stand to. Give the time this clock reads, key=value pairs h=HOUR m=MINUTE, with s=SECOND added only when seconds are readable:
h=1 m=48 s=15
